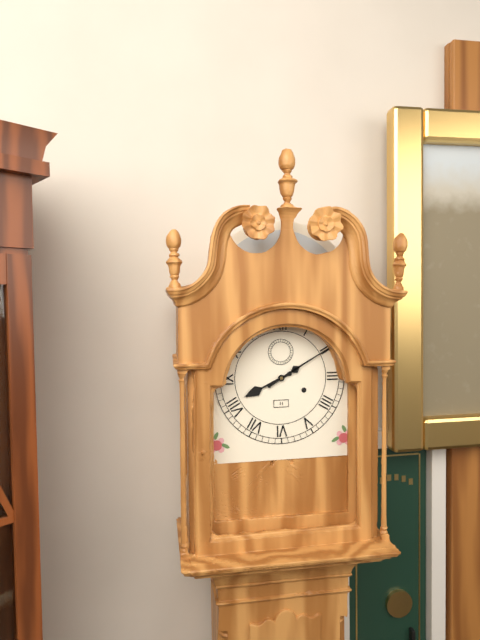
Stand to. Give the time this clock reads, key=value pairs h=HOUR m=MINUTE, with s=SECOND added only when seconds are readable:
h=8 m=10
